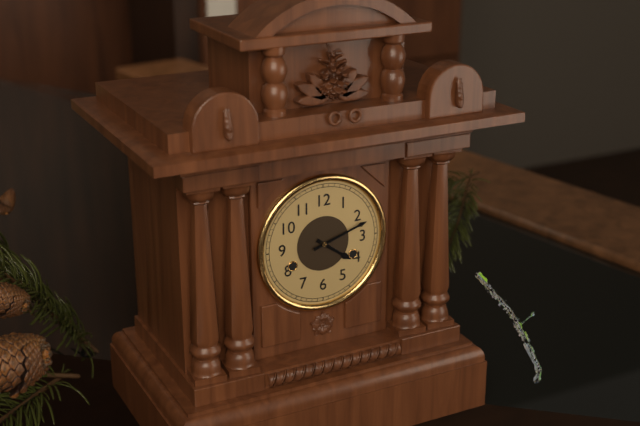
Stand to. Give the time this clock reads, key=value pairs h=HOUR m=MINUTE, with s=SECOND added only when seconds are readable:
h=4 m=12
